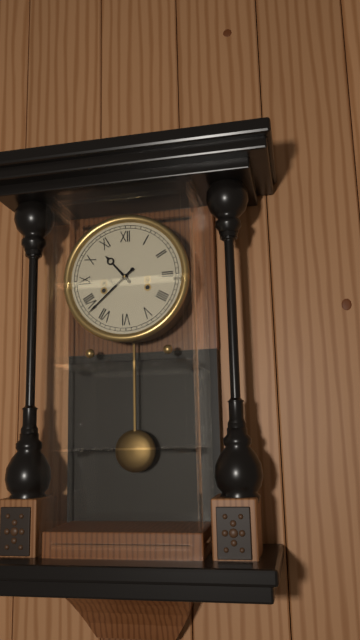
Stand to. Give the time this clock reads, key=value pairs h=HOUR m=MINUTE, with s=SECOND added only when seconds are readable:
h=10 m=38
